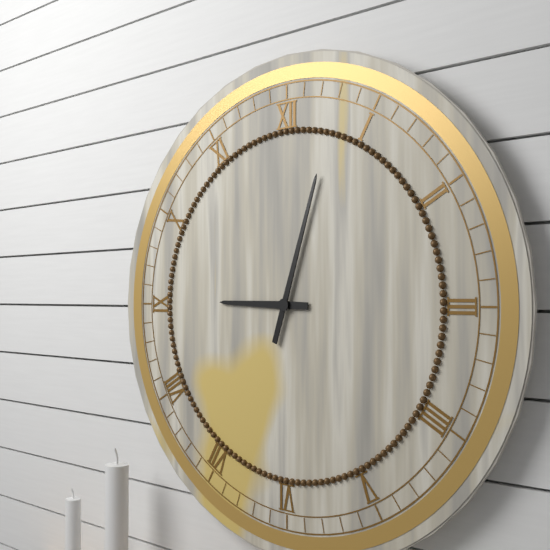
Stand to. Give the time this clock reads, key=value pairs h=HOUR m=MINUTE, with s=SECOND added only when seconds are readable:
h=9 m=3
